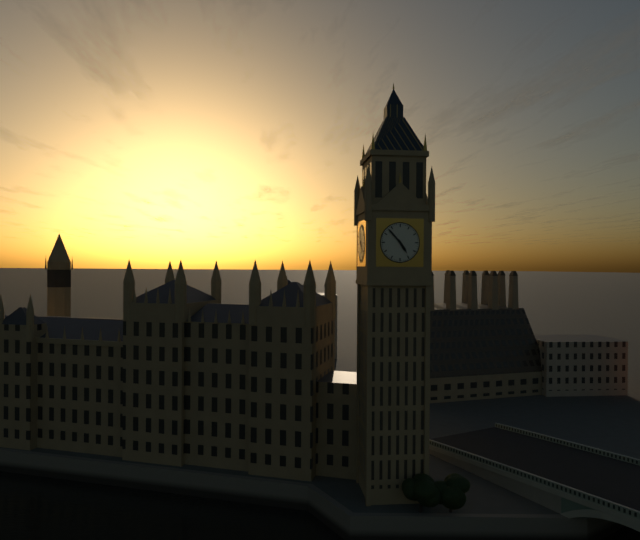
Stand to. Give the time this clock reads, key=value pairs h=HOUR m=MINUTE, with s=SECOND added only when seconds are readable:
h=4 m=53
